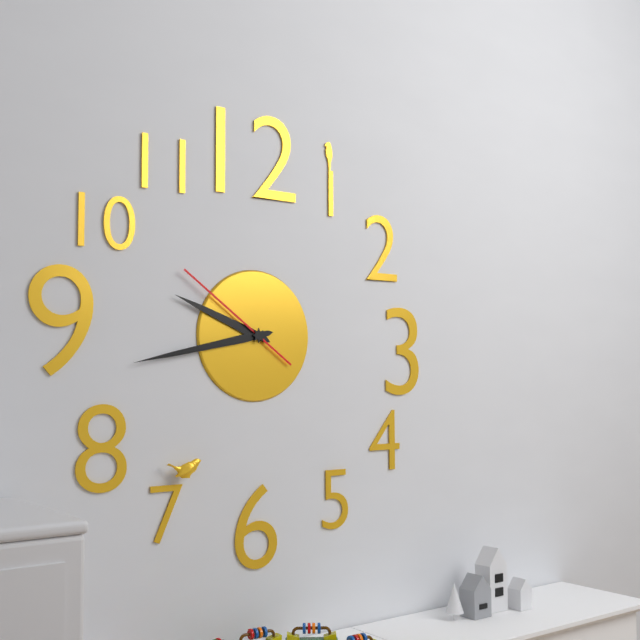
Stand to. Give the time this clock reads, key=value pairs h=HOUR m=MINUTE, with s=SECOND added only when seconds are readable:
h=9 m=43 s=51
